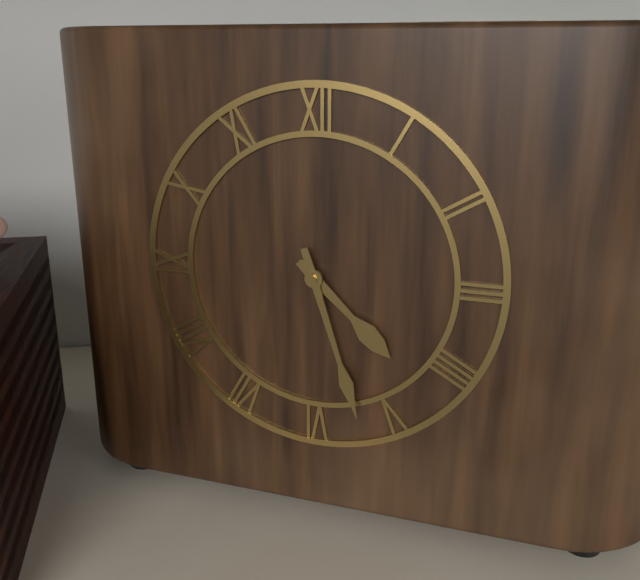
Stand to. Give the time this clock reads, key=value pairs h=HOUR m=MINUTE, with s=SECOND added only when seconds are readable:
h=4 m=27
